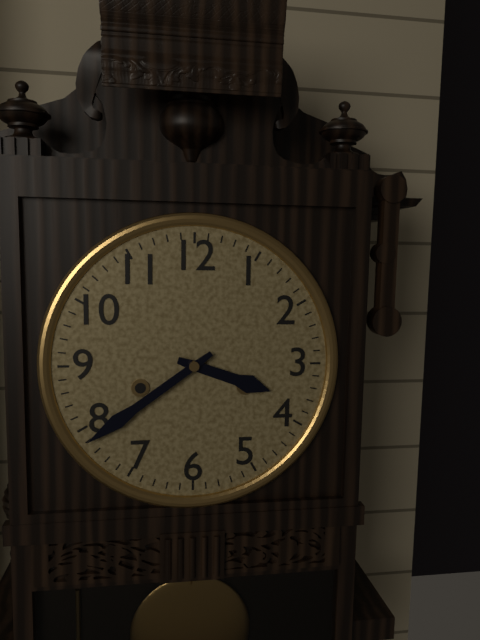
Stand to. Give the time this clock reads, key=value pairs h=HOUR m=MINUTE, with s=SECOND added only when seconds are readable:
h=3 m=39
